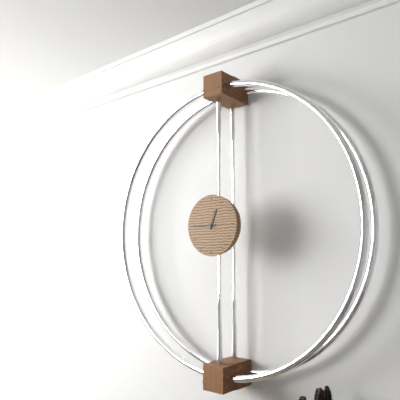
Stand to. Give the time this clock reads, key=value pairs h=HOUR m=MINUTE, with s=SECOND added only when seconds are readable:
h=12 m=45
